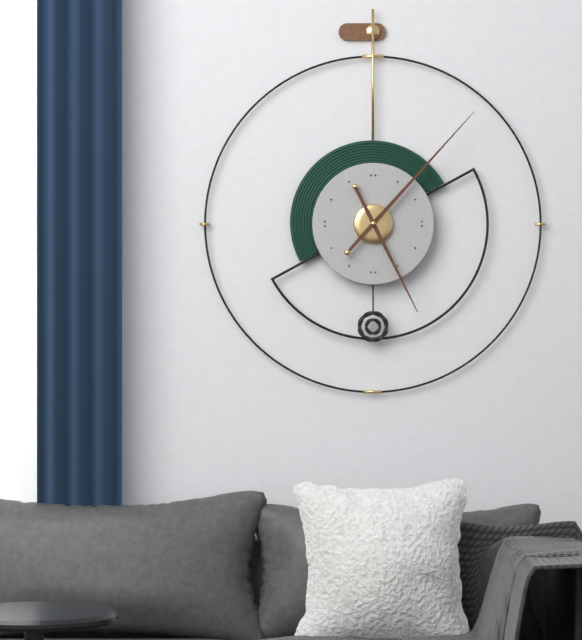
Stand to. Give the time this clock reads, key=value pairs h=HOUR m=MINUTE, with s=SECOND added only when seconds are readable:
h=5 m=7
